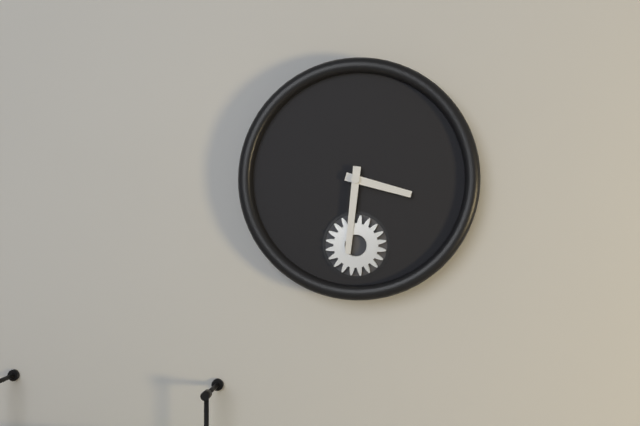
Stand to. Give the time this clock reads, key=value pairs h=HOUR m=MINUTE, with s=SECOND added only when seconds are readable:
h=3 m=31
